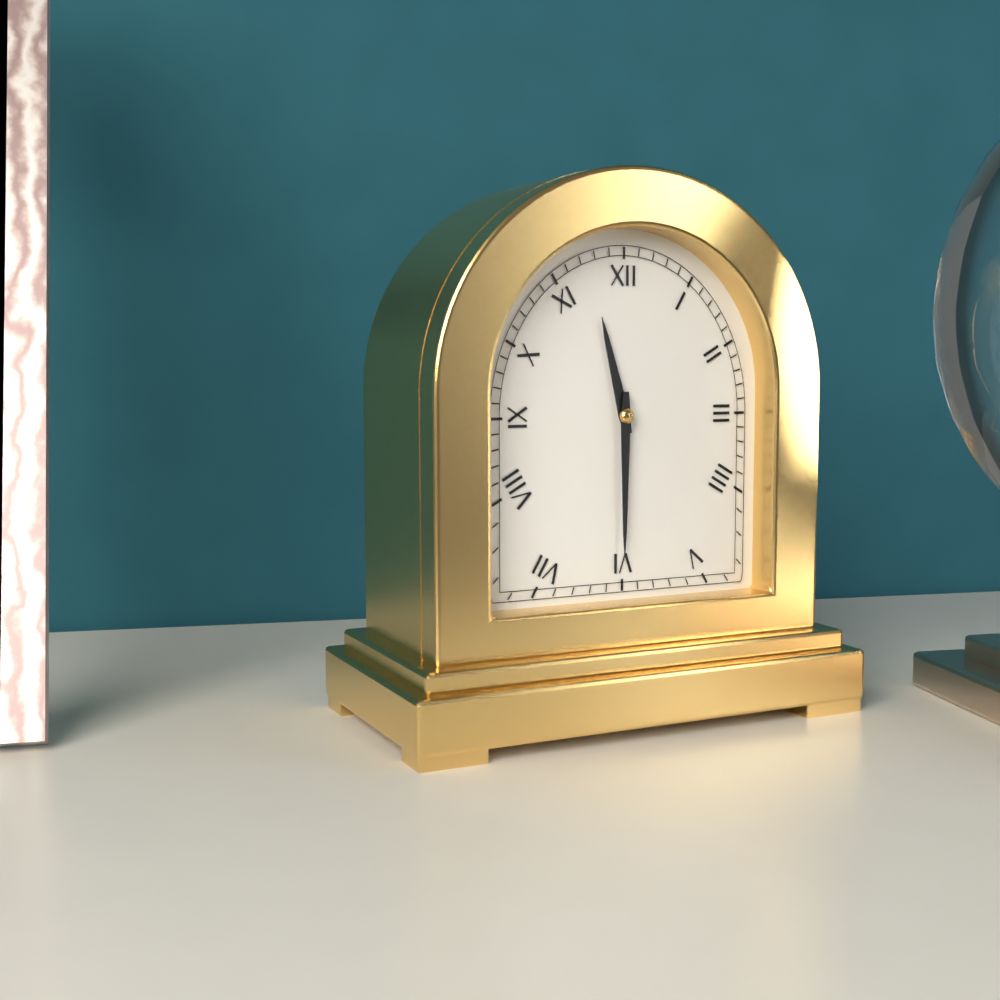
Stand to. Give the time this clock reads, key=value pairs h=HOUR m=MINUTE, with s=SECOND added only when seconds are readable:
h=11 m=30
